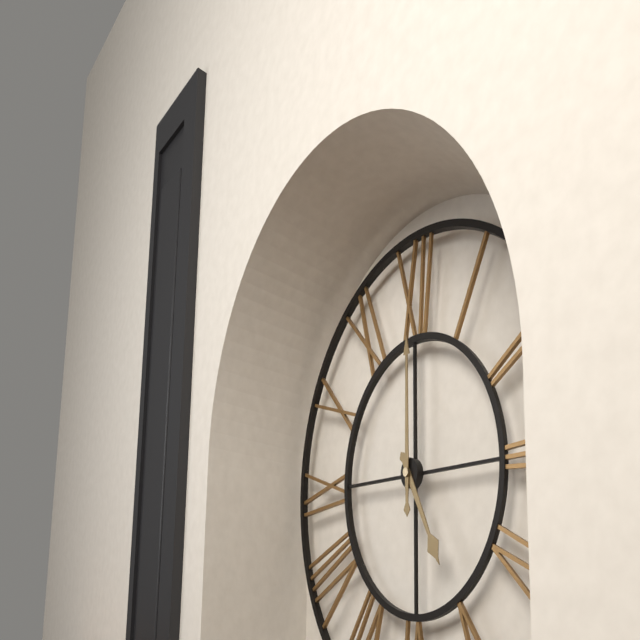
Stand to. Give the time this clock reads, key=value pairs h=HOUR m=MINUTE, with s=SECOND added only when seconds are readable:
h=5 m=0
